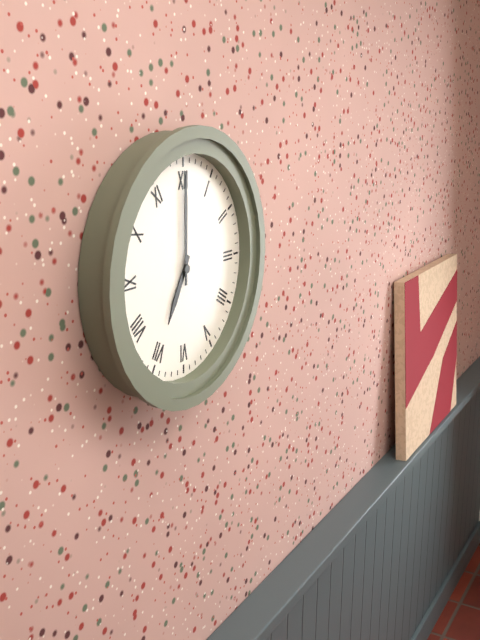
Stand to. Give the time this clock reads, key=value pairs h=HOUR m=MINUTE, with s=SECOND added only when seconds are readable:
h=7 m=0
